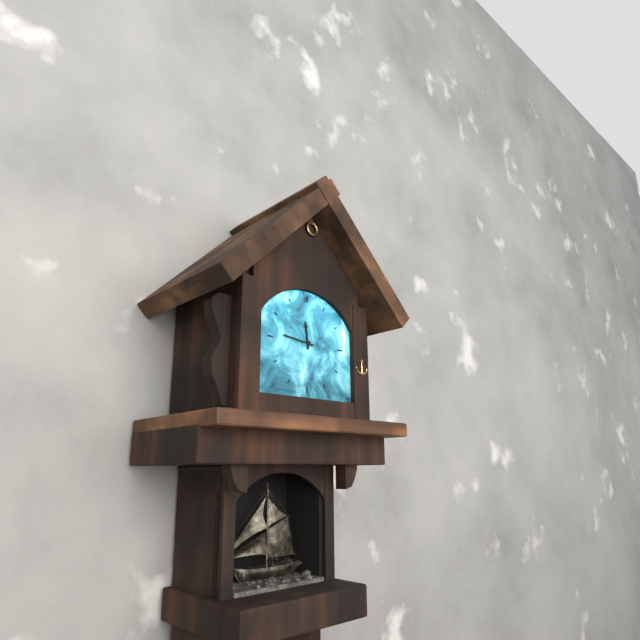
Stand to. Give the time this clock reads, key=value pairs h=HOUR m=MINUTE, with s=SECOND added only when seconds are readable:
h=11 m=46
